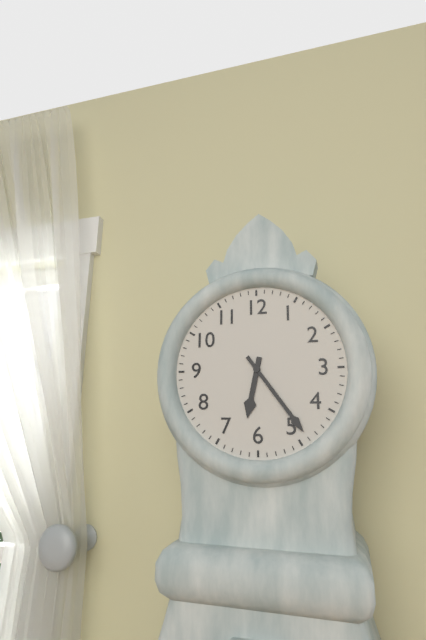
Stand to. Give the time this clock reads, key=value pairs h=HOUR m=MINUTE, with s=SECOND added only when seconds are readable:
h=6 m=24
